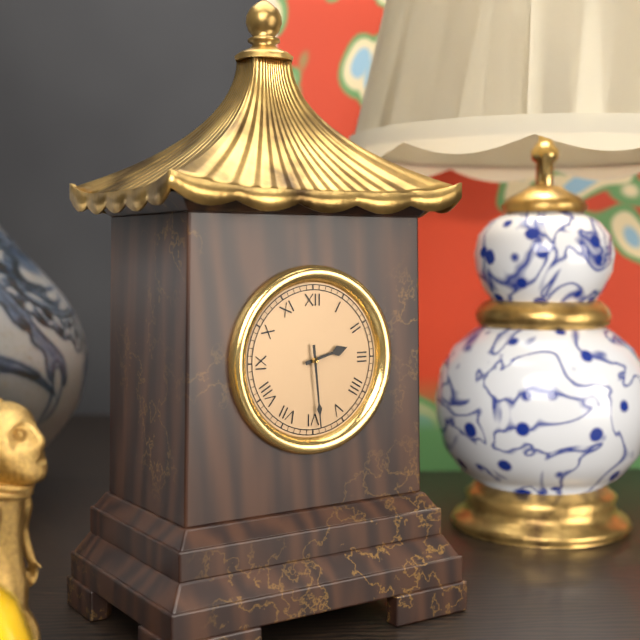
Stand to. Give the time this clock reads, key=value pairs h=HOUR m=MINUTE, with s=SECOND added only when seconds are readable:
h=2 m=29
